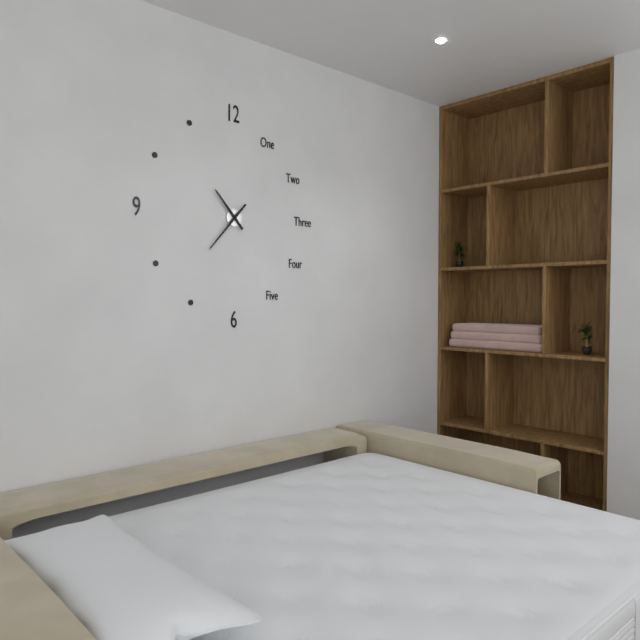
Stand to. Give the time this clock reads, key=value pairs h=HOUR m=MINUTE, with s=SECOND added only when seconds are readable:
h=10 m=37
